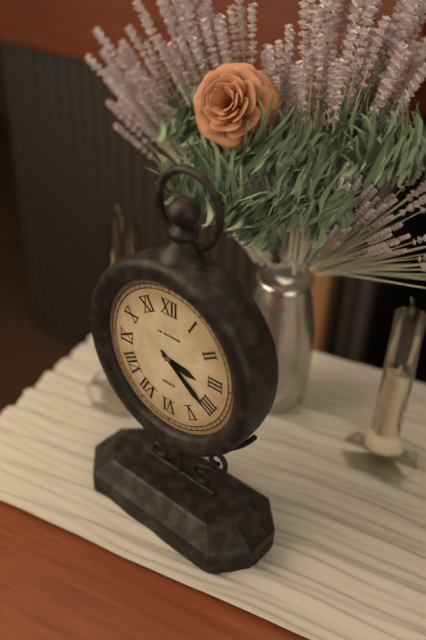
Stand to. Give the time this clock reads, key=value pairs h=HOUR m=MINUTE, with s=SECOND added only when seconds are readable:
h=3 m=21
